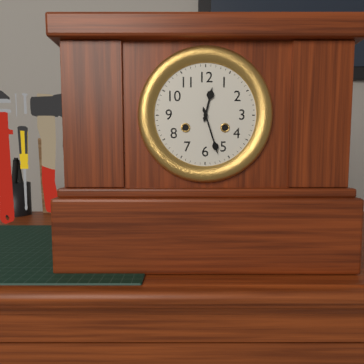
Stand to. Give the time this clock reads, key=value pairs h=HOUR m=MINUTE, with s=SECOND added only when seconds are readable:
h=12 m=27
